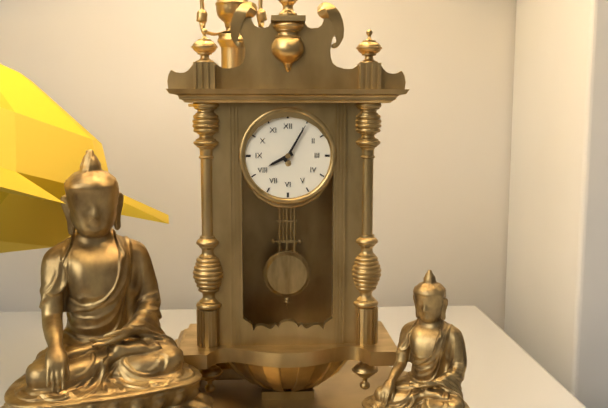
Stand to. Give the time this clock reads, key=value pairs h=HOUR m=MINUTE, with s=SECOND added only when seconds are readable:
h=8 m=5
